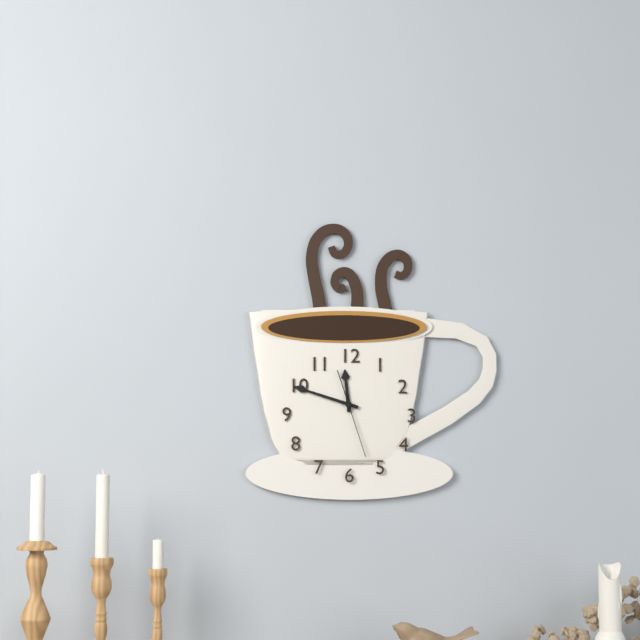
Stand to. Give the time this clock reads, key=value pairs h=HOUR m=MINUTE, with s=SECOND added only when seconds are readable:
h=11 m=48 s=27
